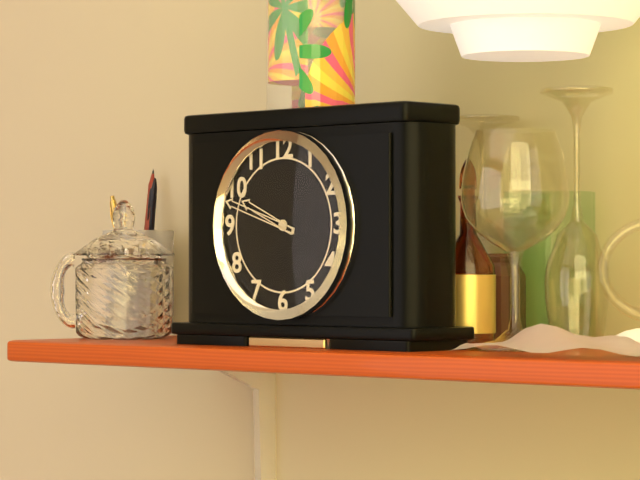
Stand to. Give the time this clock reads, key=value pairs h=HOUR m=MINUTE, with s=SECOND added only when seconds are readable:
h=9 m=48
